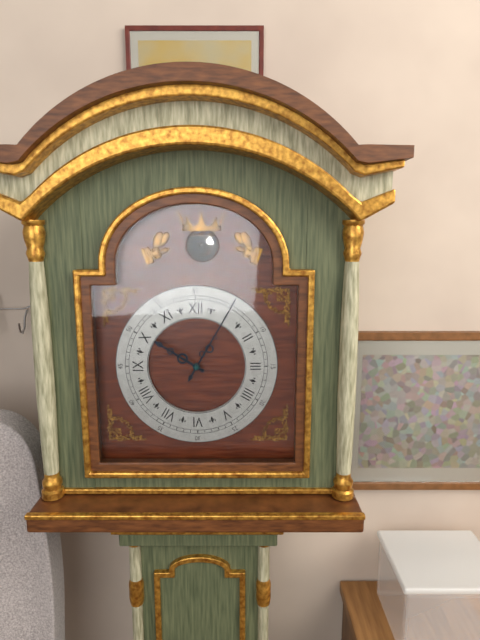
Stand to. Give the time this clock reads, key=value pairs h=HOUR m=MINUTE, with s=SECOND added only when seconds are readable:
h=10 m=5
